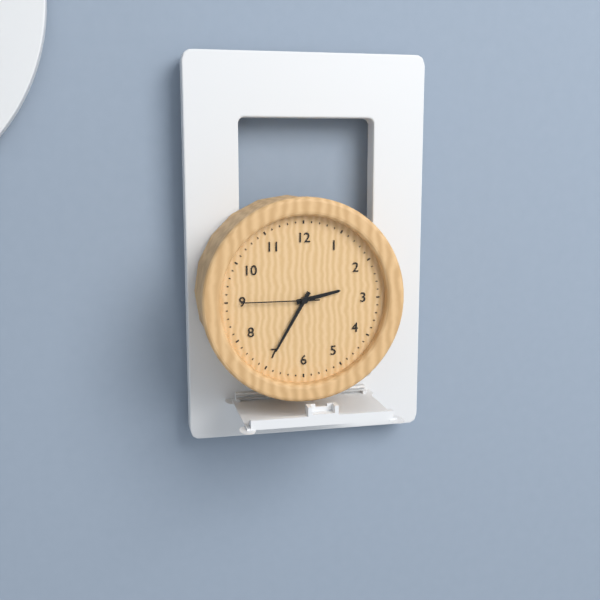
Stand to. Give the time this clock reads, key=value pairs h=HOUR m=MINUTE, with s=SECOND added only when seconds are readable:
h=2 m=35 s=45
